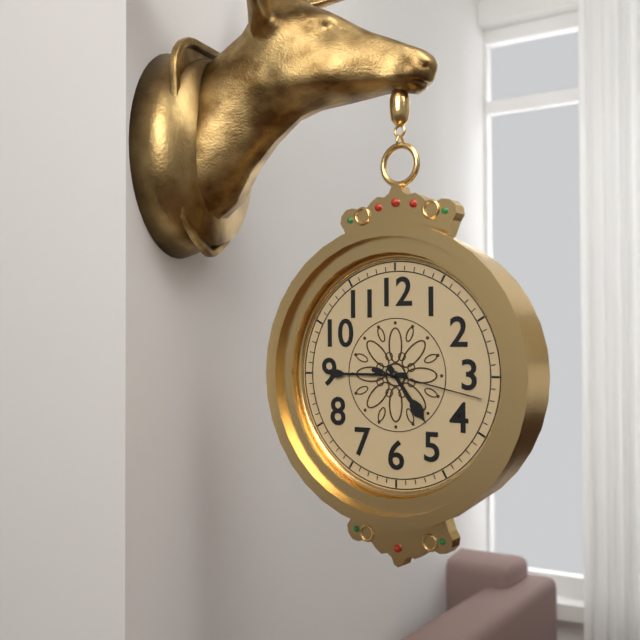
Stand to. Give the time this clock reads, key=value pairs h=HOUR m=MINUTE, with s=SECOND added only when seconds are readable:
h=4 m=45 s=17
